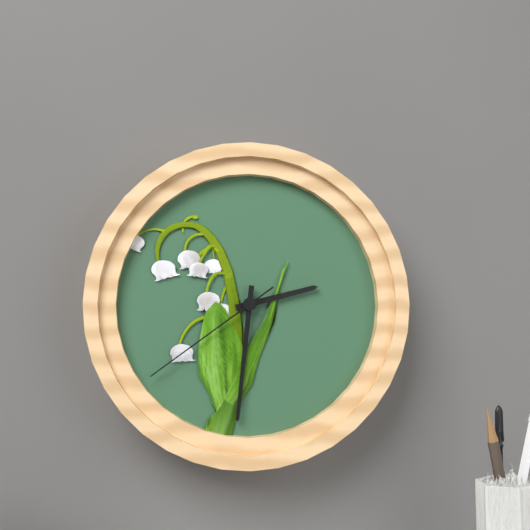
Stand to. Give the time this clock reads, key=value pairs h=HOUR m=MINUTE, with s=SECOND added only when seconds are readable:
h=2 m=31 s=39
